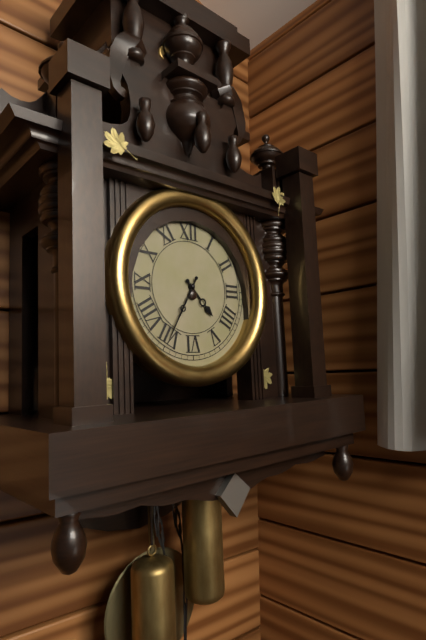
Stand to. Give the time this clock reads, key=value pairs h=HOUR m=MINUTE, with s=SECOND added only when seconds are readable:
h=4 m=35
